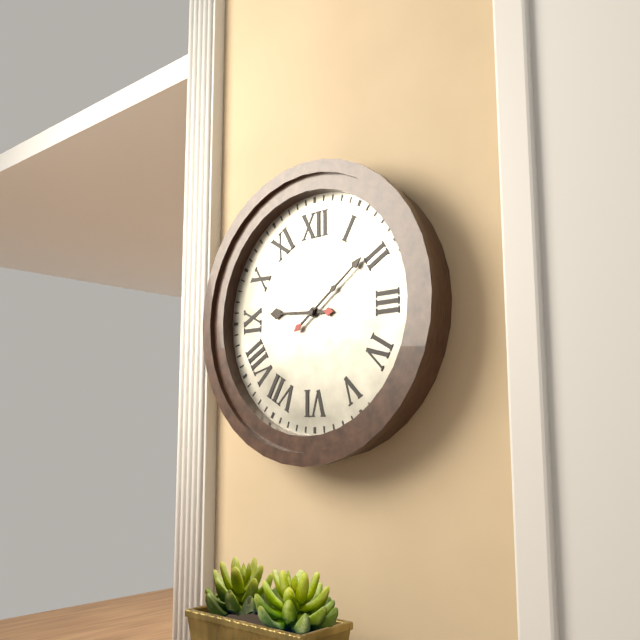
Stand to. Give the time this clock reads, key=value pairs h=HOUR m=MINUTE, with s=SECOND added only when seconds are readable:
h=9 m=9
